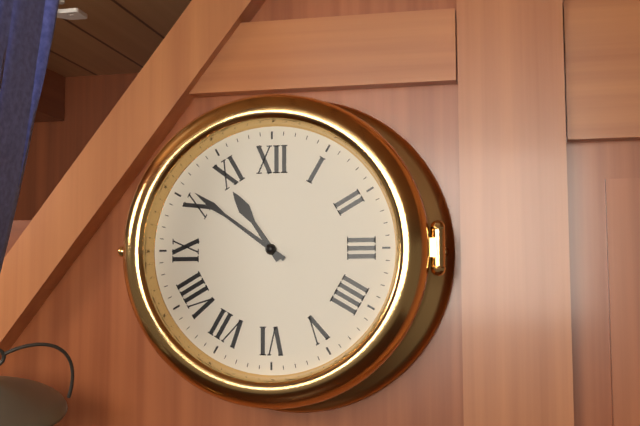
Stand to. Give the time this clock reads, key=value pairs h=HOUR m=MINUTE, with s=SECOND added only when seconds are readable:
h=10 m=51
